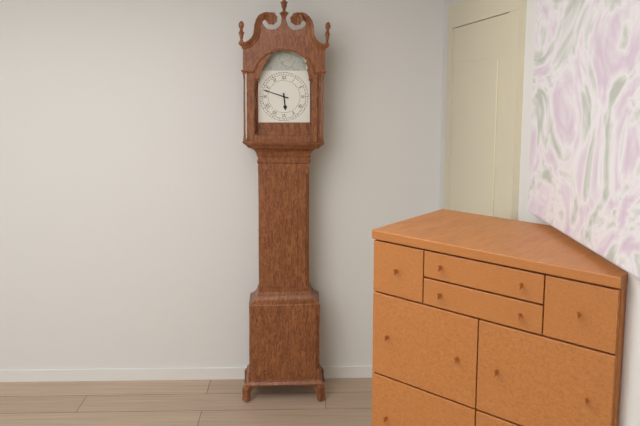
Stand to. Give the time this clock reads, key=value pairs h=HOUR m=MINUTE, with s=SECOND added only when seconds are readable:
h=5 m=48
